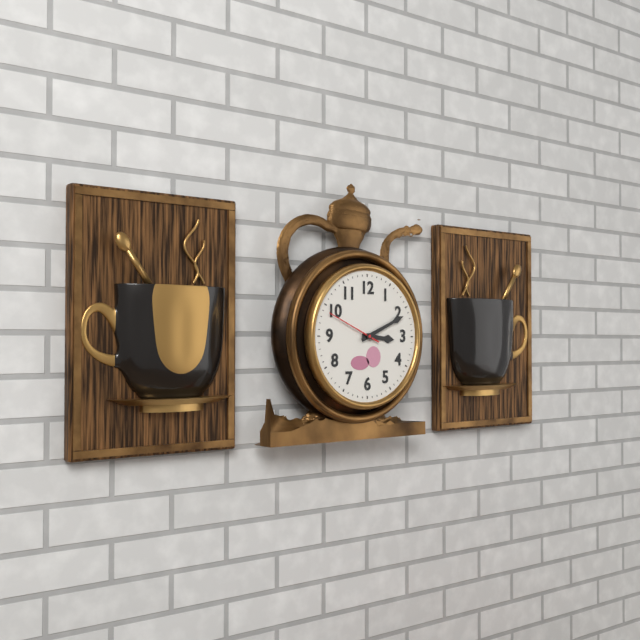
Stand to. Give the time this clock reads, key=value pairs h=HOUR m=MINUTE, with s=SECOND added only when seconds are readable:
h=3 m=11 s=49
